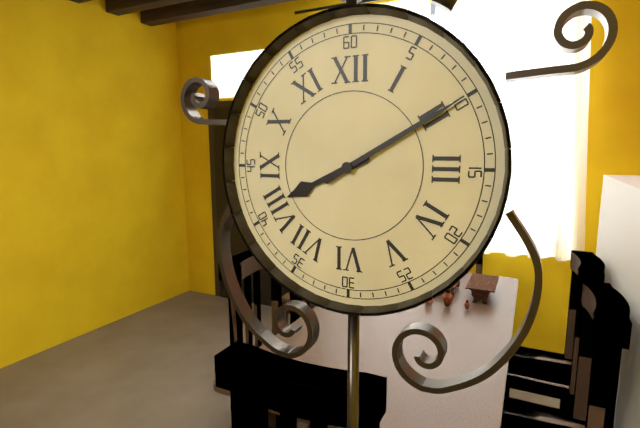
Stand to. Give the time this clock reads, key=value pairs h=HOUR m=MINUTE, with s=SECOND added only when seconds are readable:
h=8 m=10
